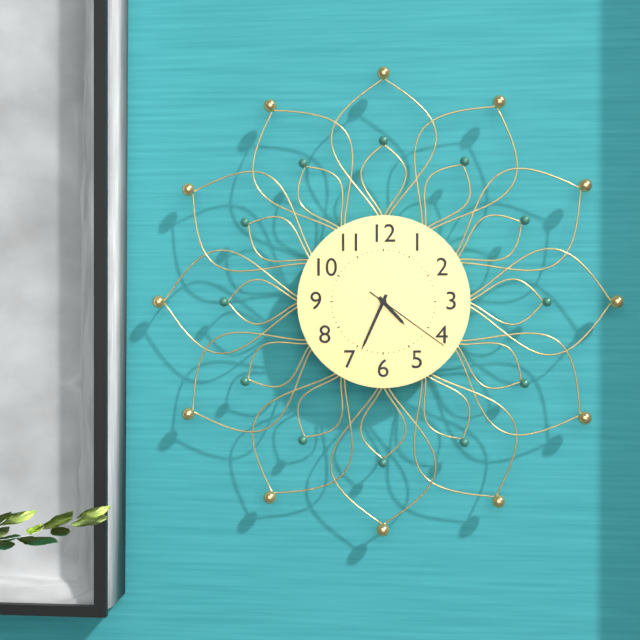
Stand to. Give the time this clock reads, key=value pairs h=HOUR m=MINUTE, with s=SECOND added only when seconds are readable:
h=4 m=34 s=21
